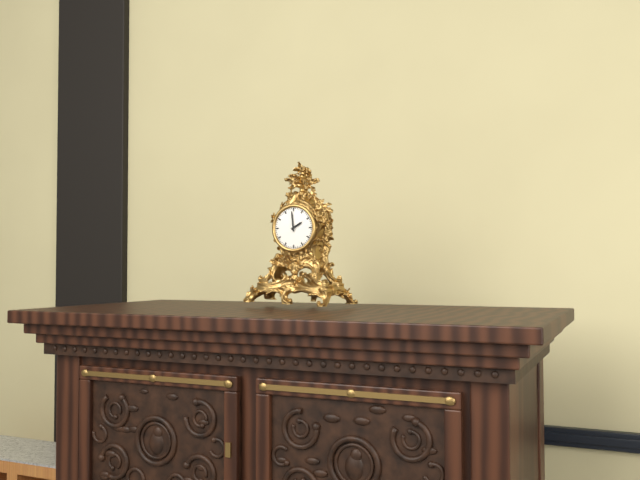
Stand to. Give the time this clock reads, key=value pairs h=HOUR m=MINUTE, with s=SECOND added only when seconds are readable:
h=1 m=59
